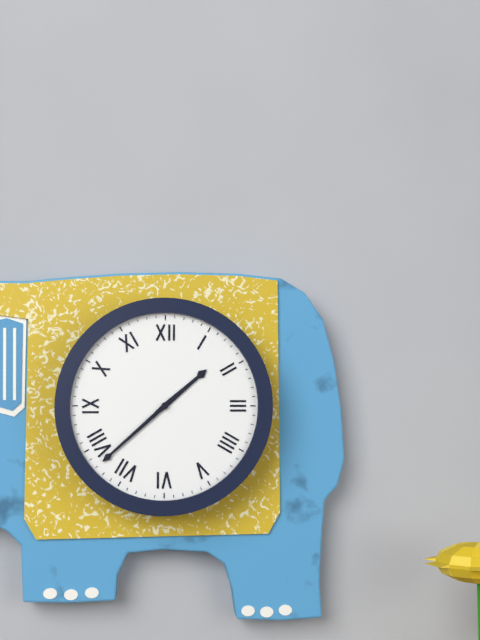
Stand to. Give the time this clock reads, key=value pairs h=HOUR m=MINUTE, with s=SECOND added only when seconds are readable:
h=1 m=38
